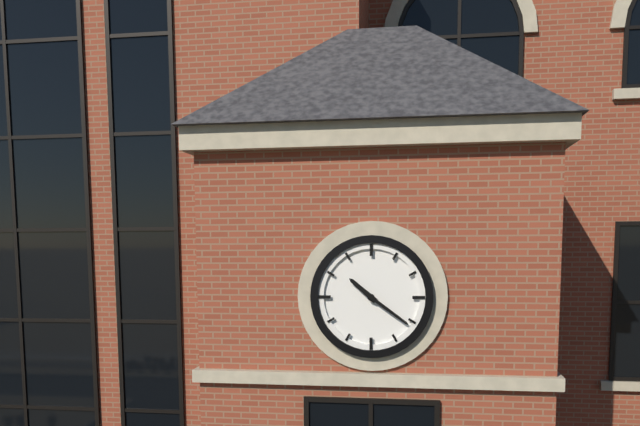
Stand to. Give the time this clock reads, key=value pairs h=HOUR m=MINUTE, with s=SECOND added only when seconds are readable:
h=10 m=21
